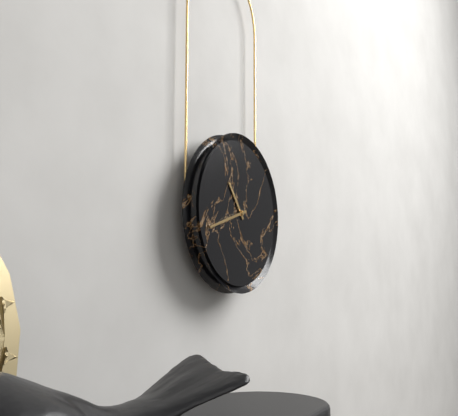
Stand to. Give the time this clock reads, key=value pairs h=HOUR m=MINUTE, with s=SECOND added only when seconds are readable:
h=10 m=42
